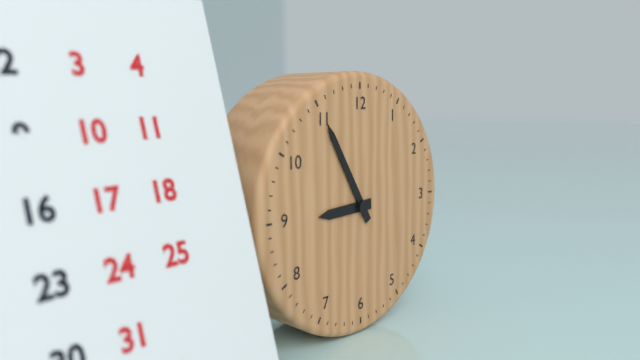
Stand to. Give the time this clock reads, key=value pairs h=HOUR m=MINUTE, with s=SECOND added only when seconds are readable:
h=8 m=55
